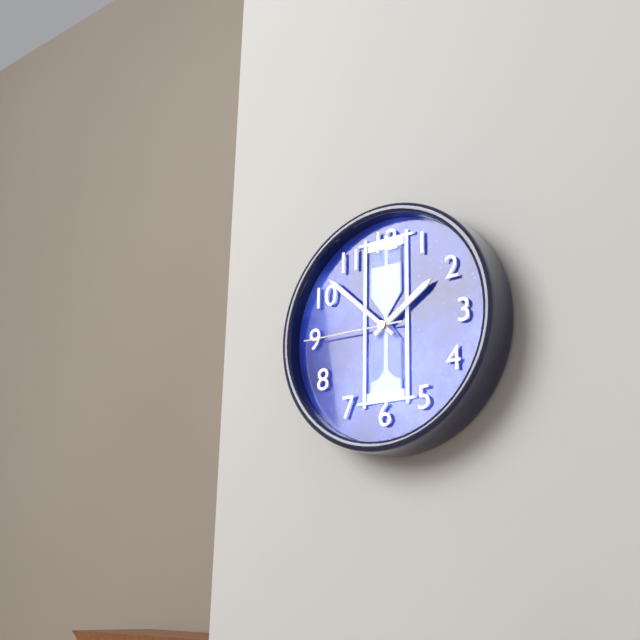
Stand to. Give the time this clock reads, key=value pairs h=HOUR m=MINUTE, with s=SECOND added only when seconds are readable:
h=1 m=52 s=45
